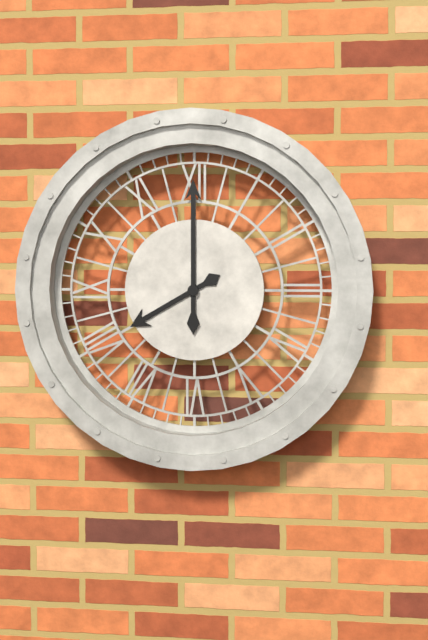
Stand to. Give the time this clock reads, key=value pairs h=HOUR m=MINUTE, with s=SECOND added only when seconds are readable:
h=8 m=0
